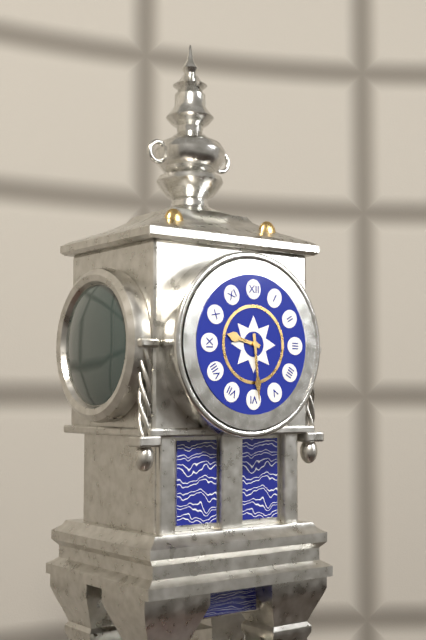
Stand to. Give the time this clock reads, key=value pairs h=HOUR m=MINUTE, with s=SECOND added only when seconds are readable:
h=9 m=29
